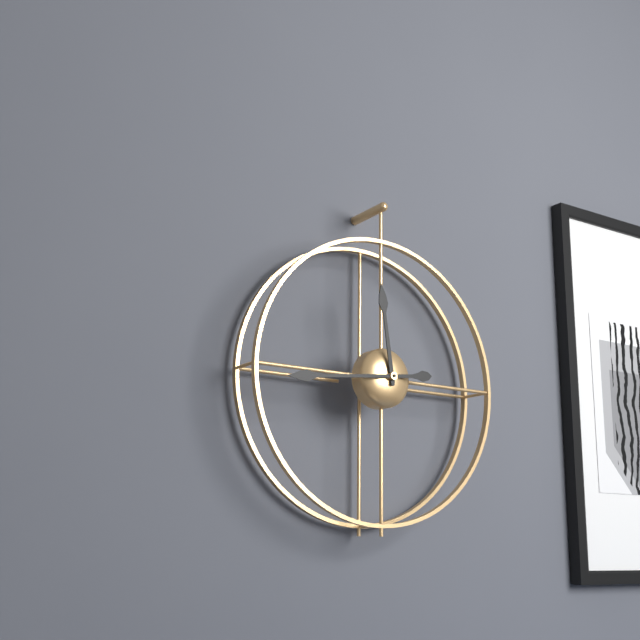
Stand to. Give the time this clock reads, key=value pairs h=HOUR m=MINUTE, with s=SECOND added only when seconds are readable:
h=11 m=44
